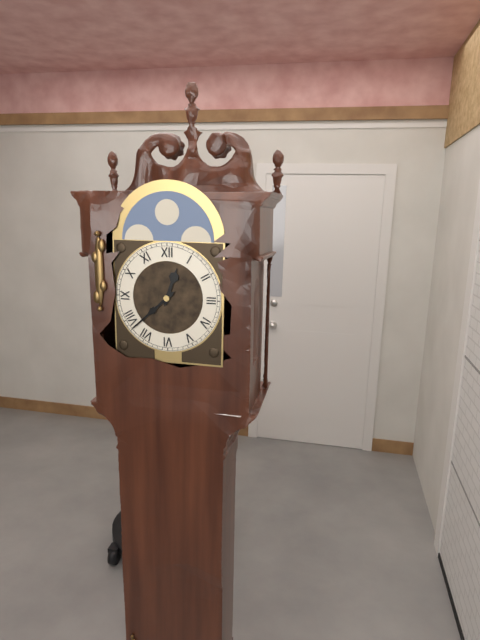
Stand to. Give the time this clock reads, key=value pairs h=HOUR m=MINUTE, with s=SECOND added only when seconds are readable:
h=12 m=38
